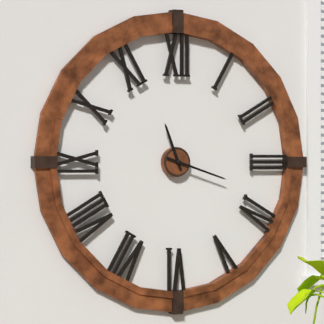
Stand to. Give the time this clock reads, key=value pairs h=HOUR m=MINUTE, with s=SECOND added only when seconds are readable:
h=11 m=18
